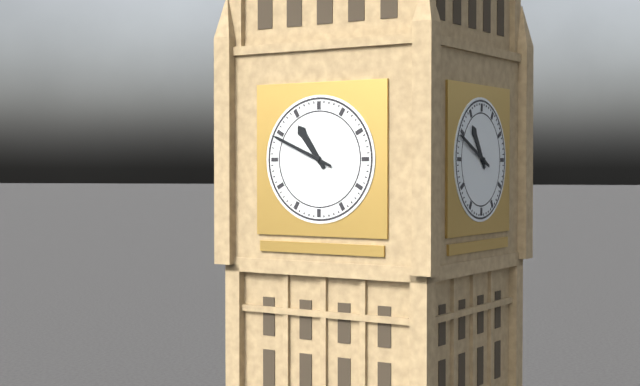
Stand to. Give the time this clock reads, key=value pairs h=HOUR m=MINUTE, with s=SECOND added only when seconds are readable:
h=10 m=49
